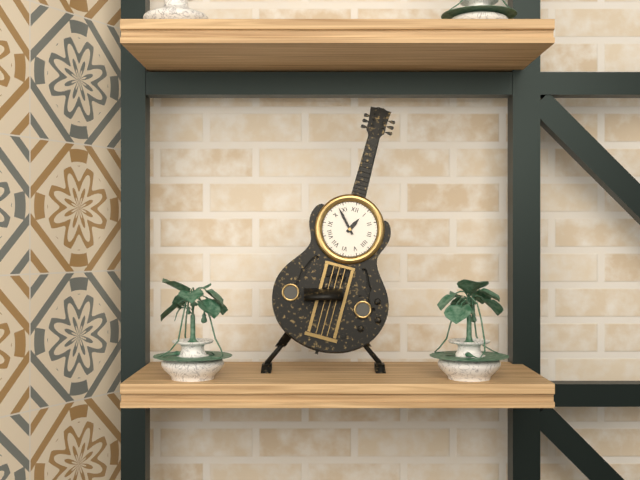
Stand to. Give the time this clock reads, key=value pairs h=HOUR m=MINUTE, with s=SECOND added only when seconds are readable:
h=12 m=53
